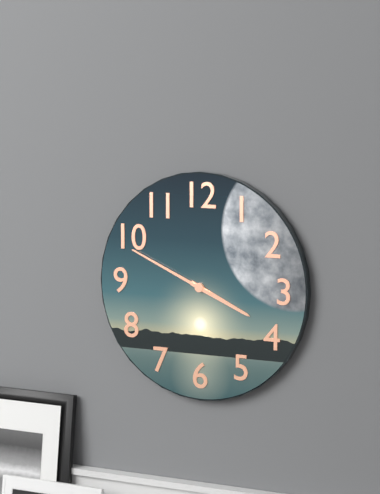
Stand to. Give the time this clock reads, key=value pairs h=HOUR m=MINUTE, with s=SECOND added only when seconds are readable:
h=3 m=49
